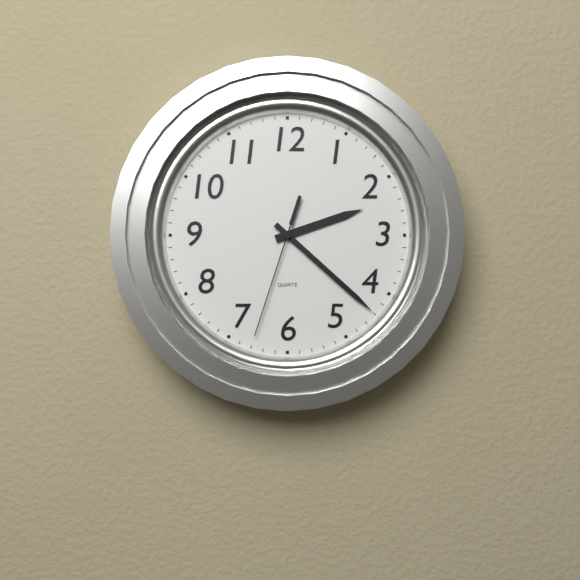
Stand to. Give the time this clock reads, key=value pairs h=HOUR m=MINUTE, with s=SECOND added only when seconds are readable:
h=2 m=22 s=33
